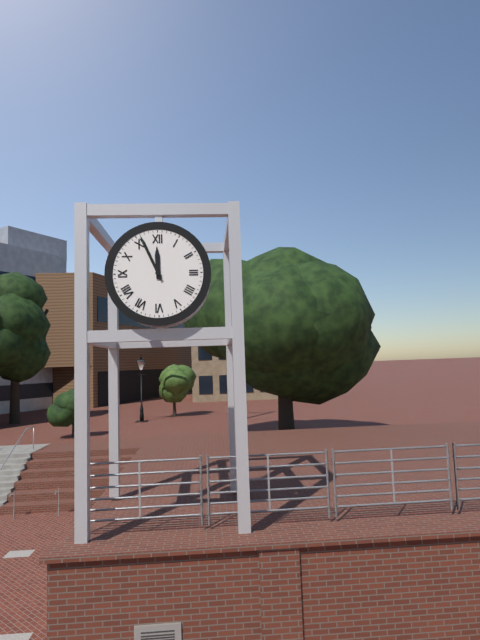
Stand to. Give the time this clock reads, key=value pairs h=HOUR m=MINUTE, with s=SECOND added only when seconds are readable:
h=11 m=56
